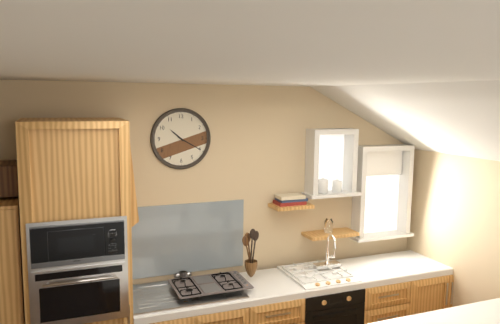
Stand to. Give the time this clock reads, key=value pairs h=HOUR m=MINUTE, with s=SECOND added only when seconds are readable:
h=10 m=20
